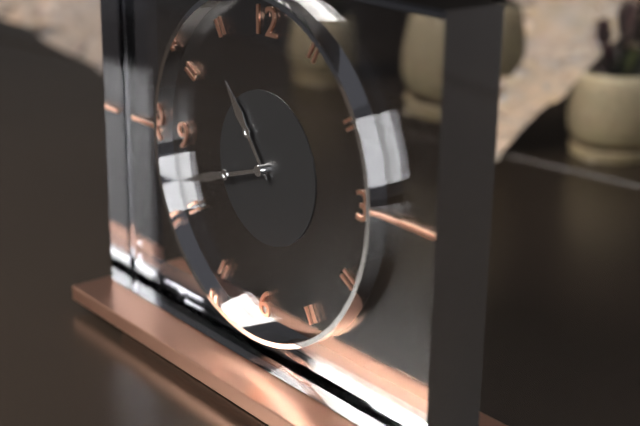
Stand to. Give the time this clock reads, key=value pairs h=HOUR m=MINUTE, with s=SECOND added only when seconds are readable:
h=10 m=42
